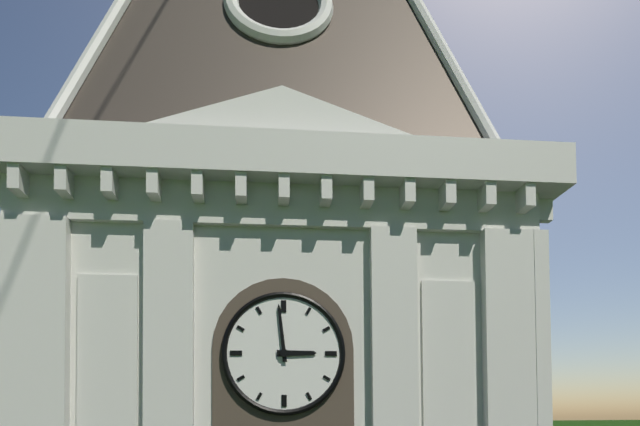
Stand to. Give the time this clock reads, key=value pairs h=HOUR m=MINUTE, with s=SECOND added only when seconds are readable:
h=2 m=59
